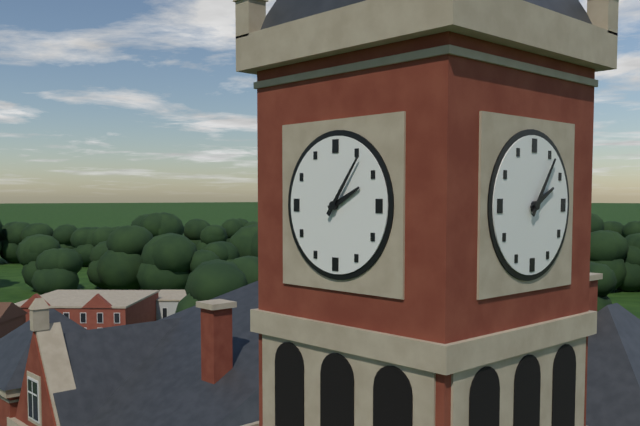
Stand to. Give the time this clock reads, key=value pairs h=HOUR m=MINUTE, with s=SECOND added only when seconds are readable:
h=2 m=6
